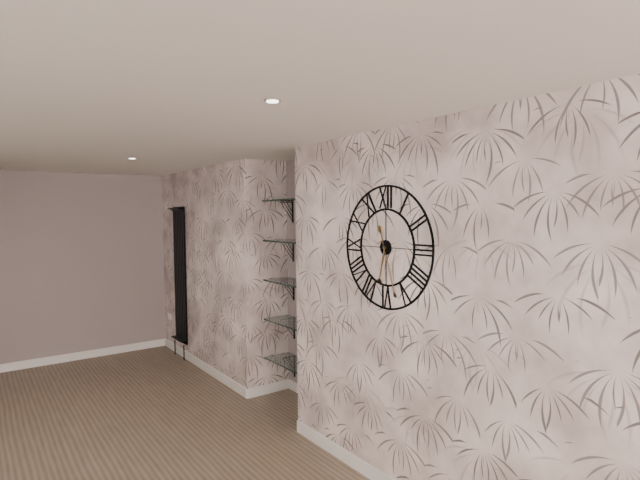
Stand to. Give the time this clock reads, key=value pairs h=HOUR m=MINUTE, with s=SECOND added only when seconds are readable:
h=6 m=27
